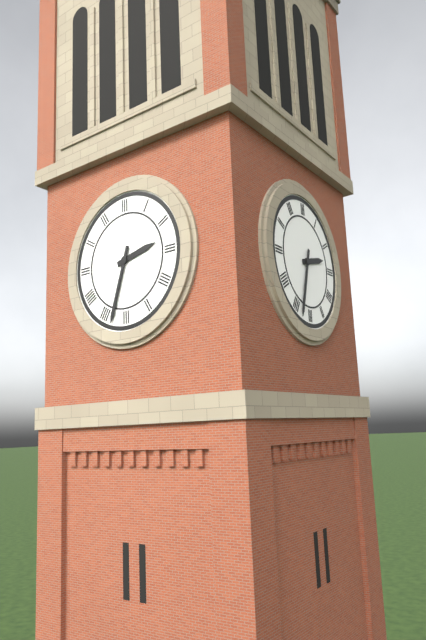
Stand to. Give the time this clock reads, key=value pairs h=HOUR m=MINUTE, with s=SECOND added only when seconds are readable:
h=2 m=33
